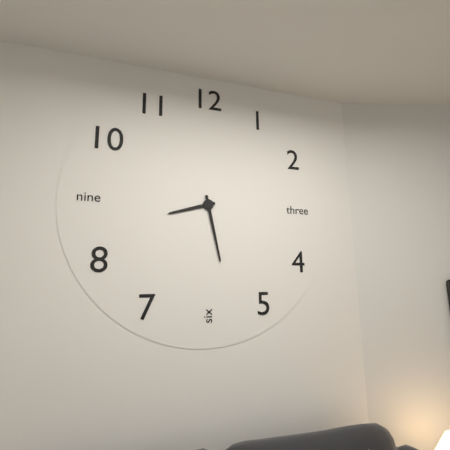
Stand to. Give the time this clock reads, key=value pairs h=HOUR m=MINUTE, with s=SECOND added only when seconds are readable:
h=8 m=28
